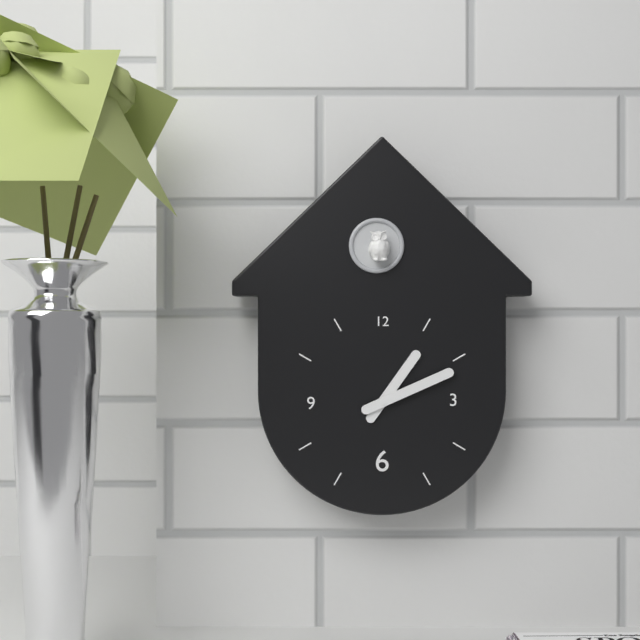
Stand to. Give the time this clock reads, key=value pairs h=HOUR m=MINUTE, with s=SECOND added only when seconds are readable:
h=1 m=11
